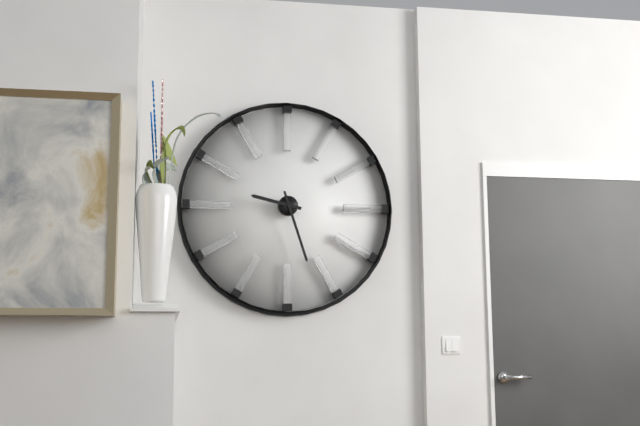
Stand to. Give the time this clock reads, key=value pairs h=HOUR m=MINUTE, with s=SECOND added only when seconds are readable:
h=9 m=27
